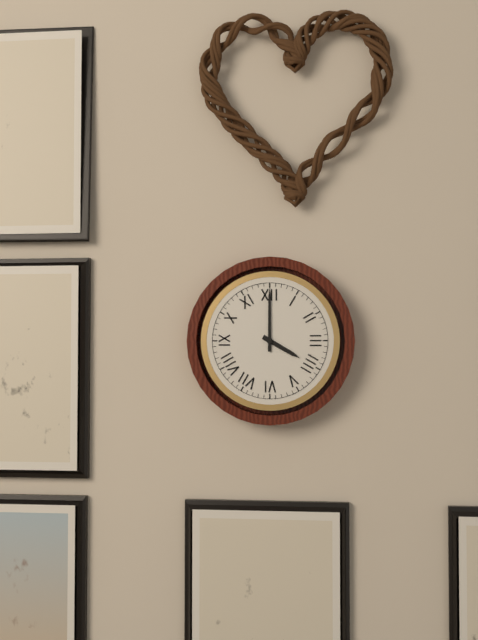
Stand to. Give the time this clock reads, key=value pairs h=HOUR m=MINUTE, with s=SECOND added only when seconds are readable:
h=4 m=0
